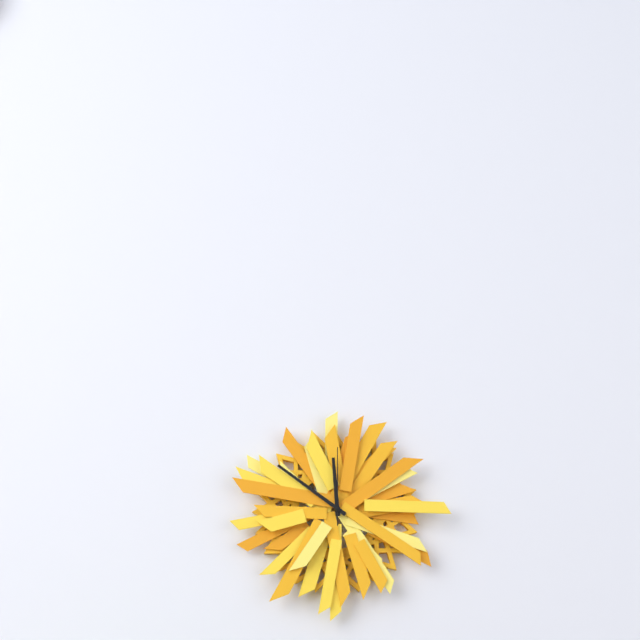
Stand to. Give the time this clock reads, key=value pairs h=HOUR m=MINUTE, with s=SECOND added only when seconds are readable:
h=11 m=51 s=0
